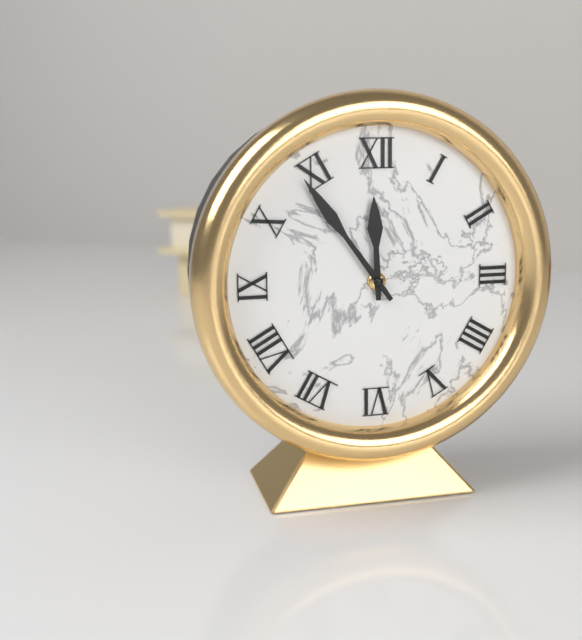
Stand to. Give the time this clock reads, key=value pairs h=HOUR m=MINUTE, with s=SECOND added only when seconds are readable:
h=11 m=54
